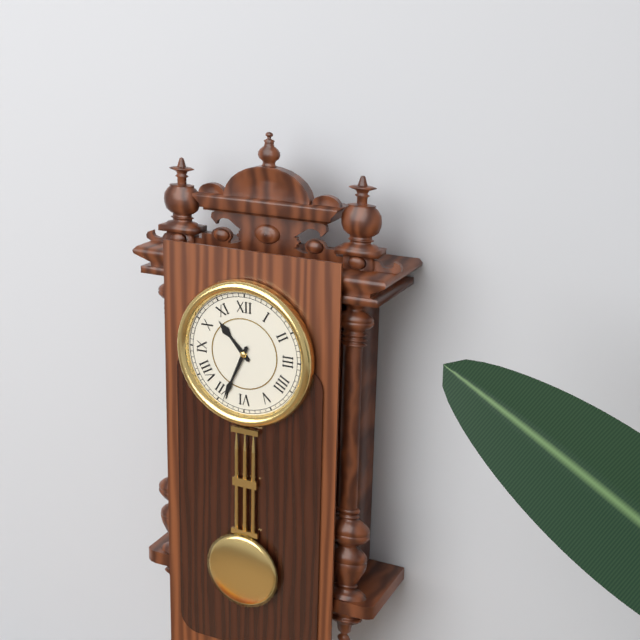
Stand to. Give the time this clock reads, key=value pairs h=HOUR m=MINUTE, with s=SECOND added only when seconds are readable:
h=10 m=34
